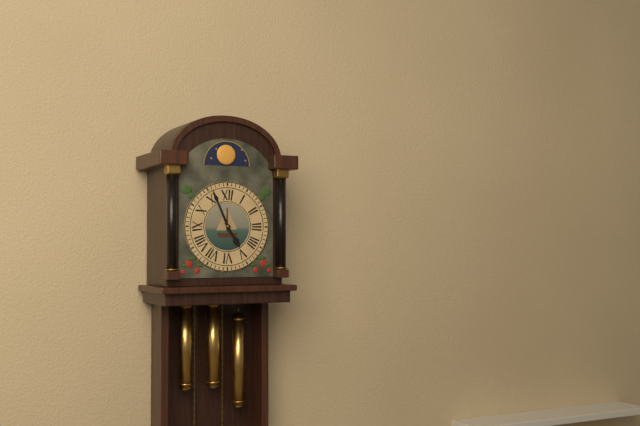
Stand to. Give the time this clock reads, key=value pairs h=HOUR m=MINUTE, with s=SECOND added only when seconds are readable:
h=4 m=56
